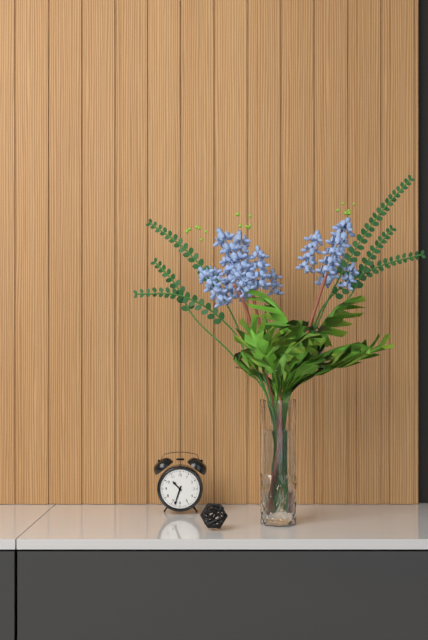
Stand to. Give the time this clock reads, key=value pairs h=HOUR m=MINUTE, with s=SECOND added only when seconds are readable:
h=10 m=33
